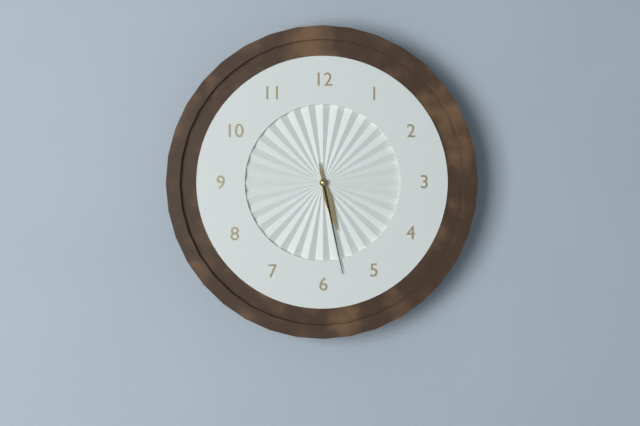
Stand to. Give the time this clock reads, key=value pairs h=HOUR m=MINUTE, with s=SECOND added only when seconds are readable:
h=5 m=28
